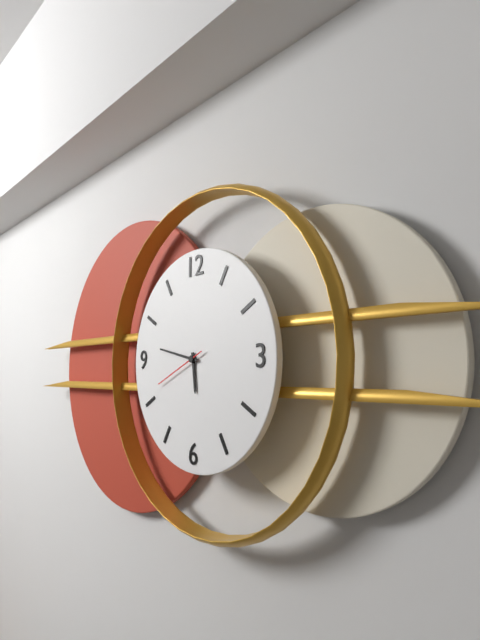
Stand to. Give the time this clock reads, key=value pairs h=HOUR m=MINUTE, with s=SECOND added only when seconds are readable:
h=5 m=47 s=41
